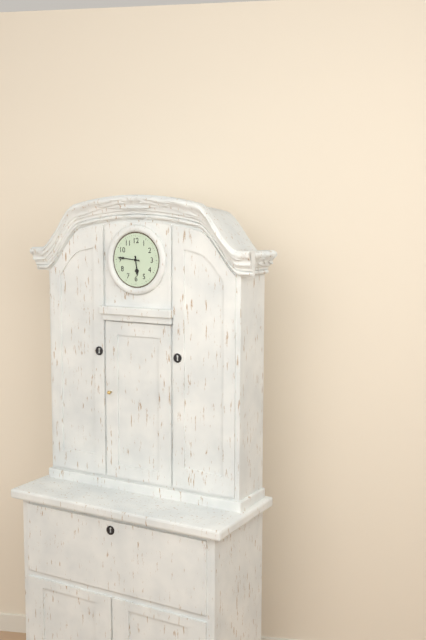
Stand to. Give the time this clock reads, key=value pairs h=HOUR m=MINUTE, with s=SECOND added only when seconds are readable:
h=5 m=46
